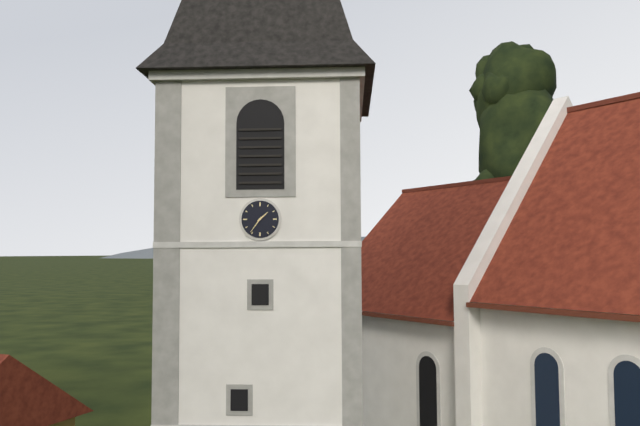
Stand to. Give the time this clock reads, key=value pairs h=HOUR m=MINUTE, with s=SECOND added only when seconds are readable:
h=1 m=36
